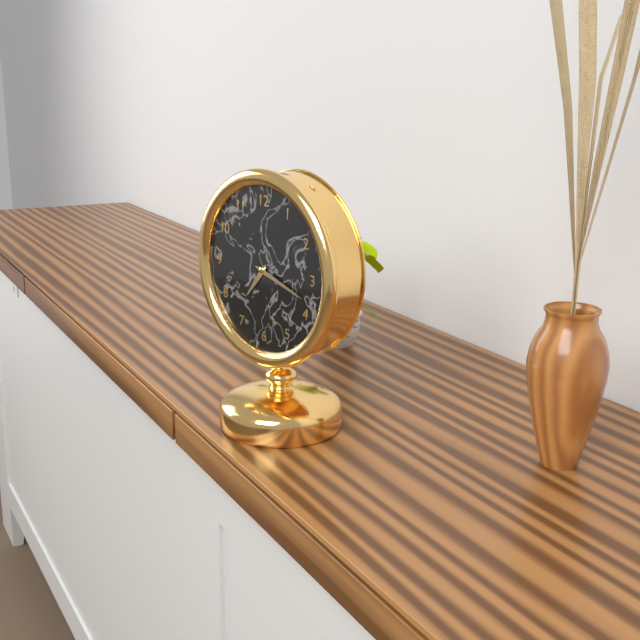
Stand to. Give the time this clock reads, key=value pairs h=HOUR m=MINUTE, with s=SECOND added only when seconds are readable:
h=7 m=18
